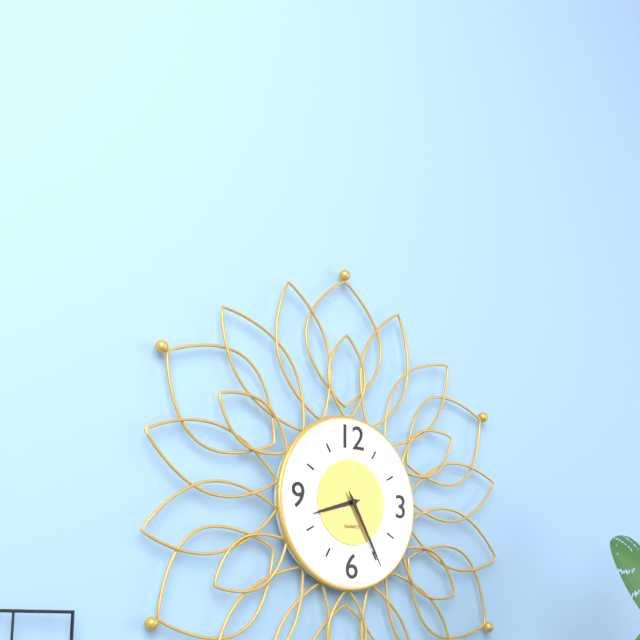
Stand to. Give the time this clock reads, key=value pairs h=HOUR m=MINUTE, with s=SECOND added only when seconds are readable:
h=8 m=25
